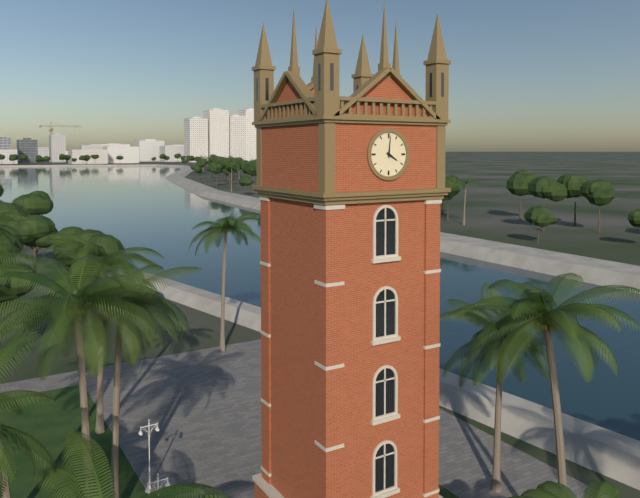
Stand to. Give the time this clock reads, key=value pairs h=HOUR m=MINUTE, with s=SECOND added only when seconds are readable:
h=4 m=1
